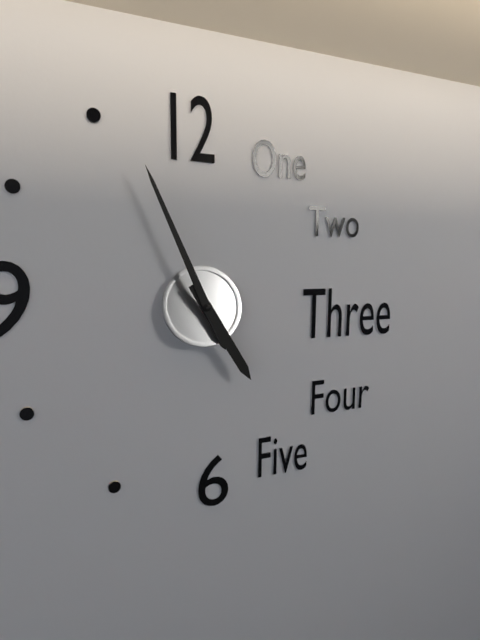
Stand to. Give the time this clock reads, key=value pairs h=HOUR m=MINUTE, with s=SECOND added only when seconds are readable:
h=4 m=56
